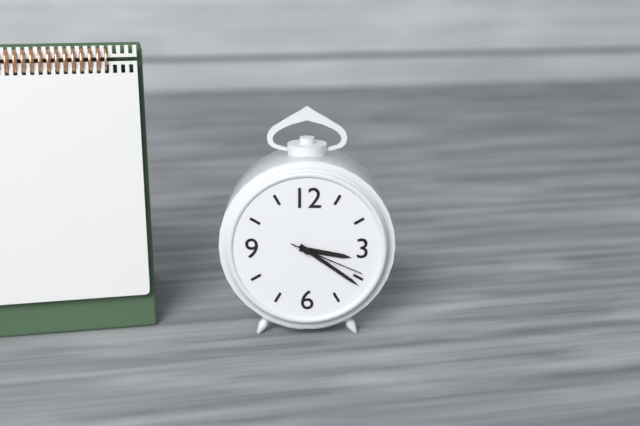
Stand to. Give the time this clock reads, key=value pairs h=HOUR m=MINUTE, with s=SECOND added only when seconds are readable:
h=3 m=21 s=19
